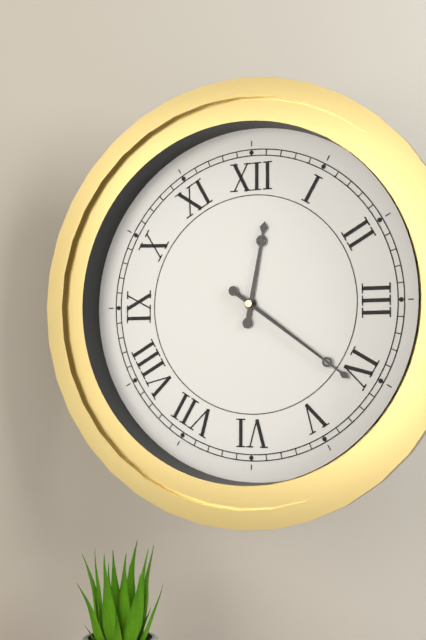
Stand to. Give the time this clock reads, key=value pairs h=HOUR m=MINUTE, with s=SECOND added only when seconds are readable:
h=12 m=21 s=21
